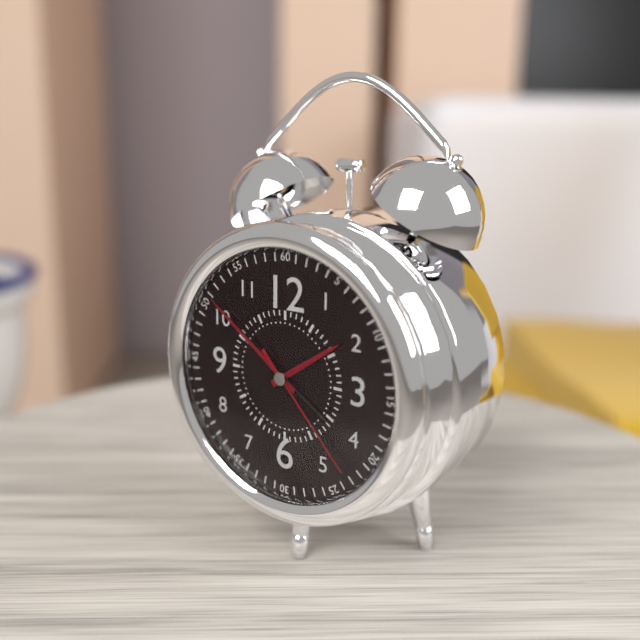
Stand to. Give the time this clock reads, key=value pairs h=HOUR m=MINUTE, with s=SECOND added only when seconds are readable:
h=1 m=51 s=23
